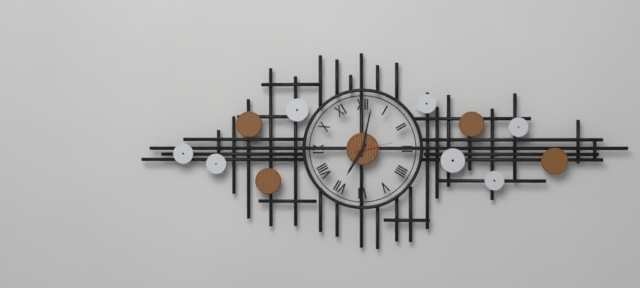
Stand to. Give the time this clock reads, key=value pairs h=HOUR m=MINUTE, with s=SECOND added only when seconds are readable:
h=7 m=2
